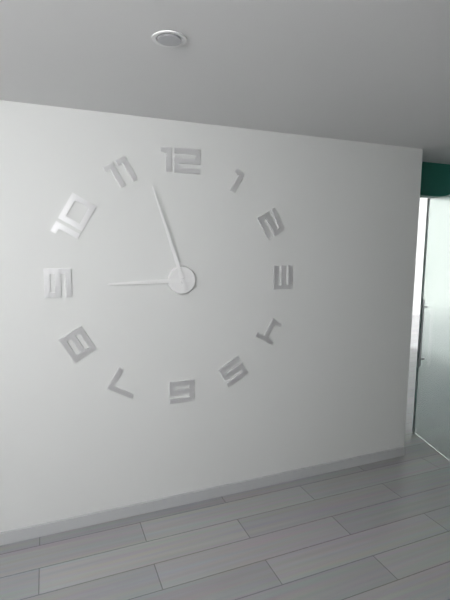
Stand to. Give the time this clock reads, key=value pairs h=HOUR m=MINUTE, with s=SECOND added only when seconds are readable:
h=8 m=57
